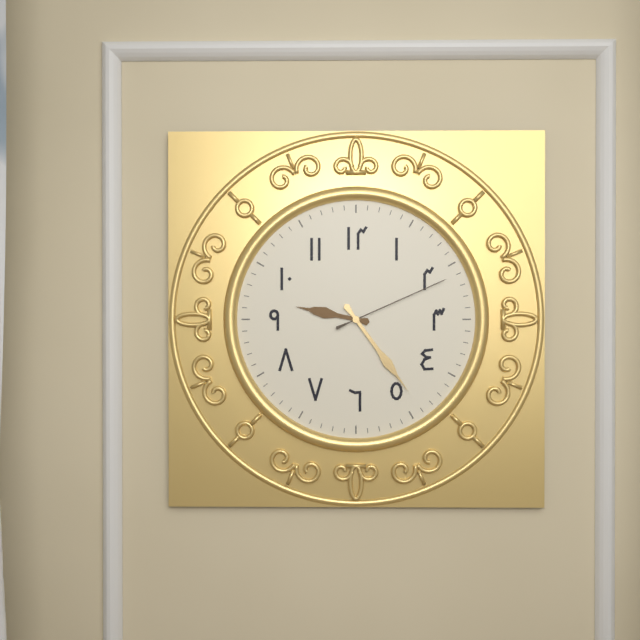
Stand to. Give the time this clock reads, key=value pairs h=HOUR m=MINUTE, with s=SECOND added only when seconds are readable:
h=9 m=24 s=11
